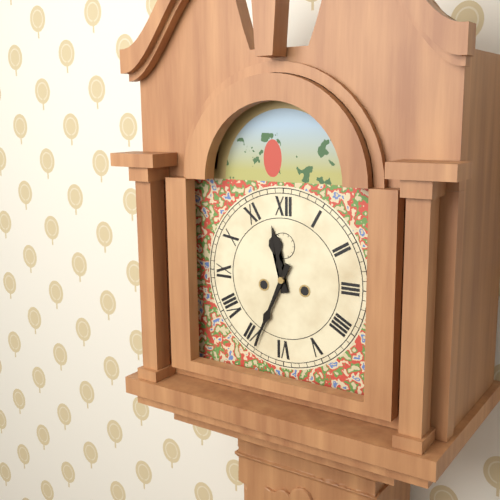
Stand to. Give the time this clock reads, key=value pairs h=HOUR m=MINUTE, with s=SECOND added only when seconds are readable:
h=11 m=34
